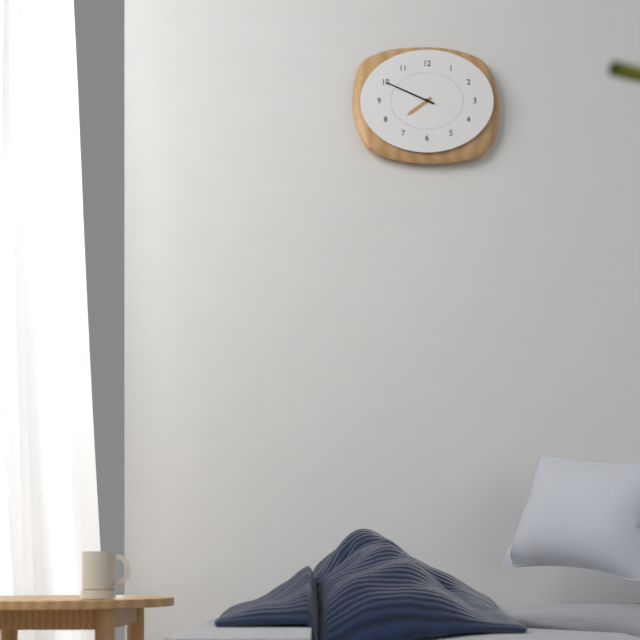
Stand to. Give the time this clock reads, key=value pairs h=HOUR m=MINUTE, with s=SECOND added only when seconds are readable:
h=7 m=49
